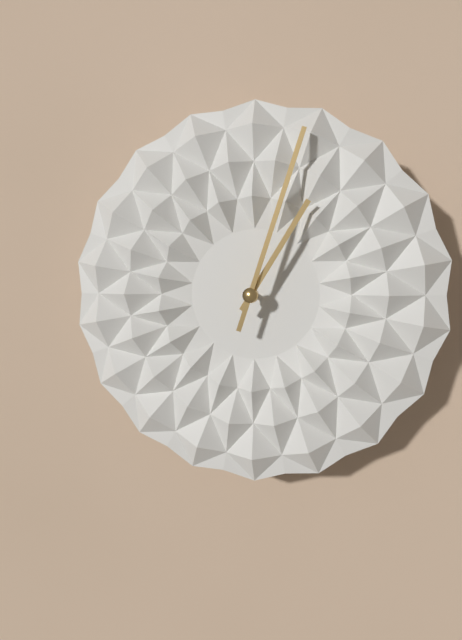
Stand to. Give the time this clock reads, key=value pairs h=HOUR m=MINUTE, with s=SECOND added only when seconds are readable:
h=1 m=3
